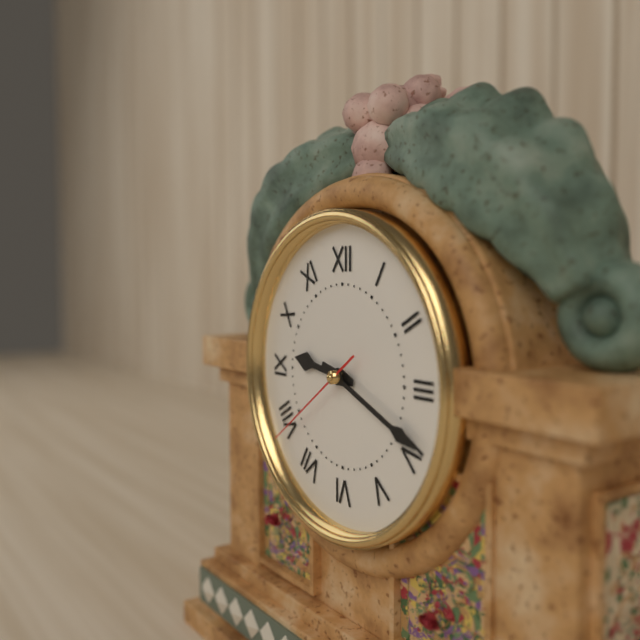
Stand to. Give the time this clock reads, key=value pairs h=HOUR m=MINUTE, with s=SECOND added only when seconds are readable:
h=9 m=19 s=39
